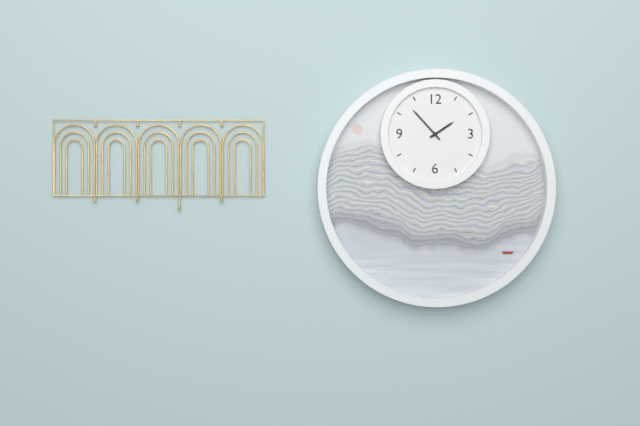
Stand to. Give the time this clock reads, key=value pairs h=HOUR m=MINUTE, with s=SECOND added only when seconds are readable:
h=1 m=53
